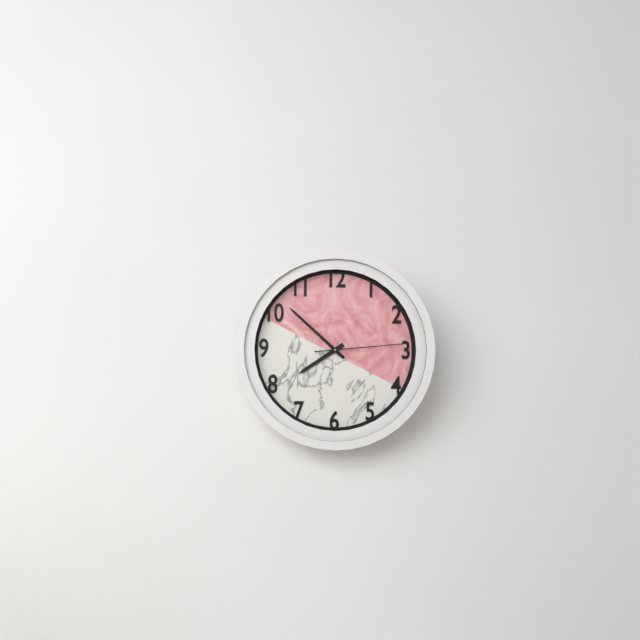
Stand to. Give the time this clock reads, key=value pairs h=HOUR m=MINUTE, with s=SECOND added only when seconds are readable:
h=7 m=52 s=14
